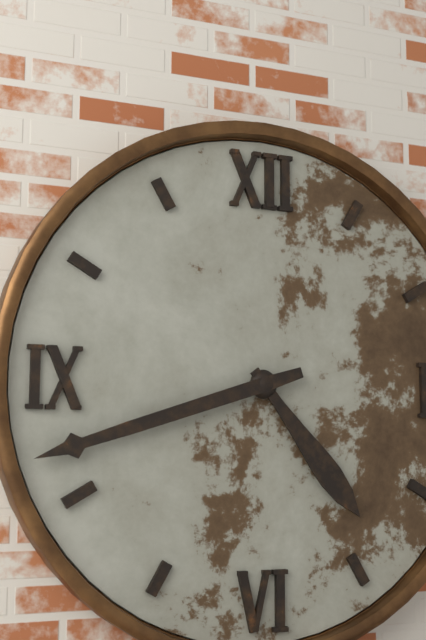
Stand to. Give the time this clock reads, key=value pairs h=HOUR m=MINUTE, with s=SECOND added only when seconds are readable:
h=4 m=42
